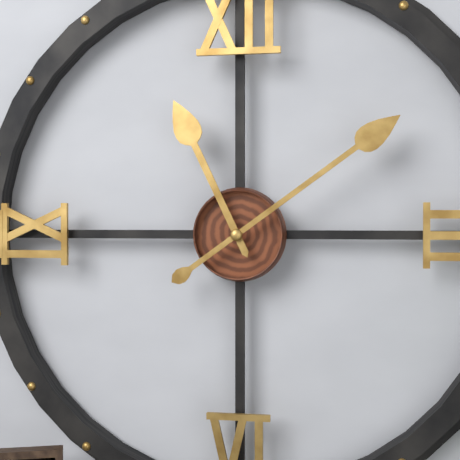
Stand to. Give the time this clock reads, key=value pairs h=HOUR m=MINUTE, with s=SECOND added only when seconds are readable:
h=11 m=9
